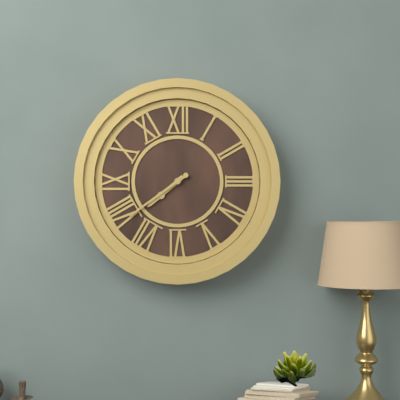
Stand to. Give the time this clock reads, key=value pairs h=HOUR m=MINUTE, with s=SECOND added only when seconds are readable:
h=7 m=39
